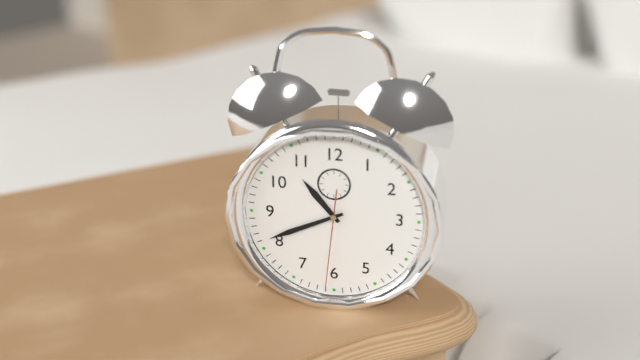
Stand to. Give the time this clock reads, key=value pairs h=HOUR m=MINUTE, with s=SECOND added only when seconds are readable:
h=10 m=41 s=31
